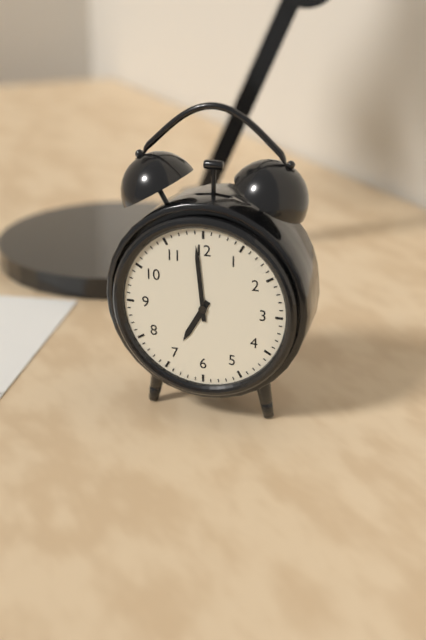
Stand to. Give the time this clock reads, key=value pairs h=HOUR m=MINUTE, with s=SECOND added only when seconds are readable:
h=6 m=59
